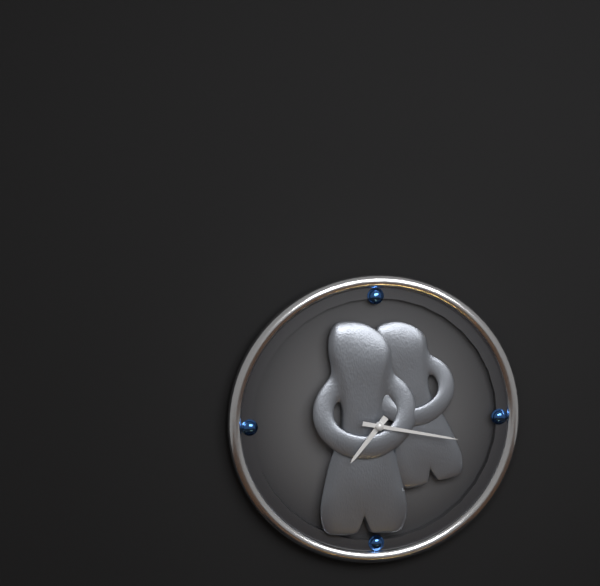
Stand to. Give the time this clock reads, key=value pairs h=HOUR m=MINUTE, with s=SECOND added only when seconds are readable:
h=7 m=17
